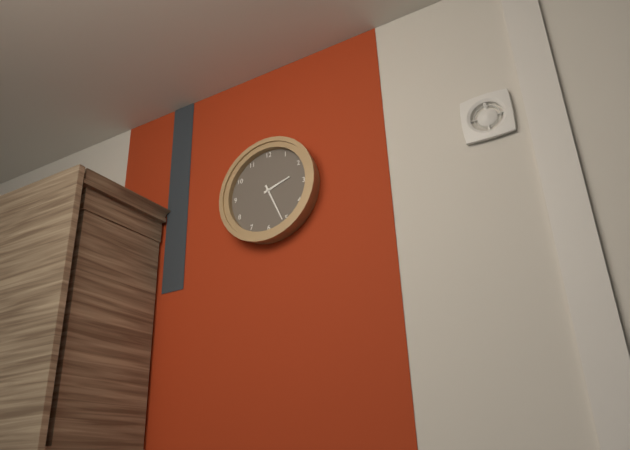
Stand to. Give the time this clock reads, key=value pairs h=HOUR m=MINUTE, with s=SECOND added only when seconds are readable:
h=2 m=26
